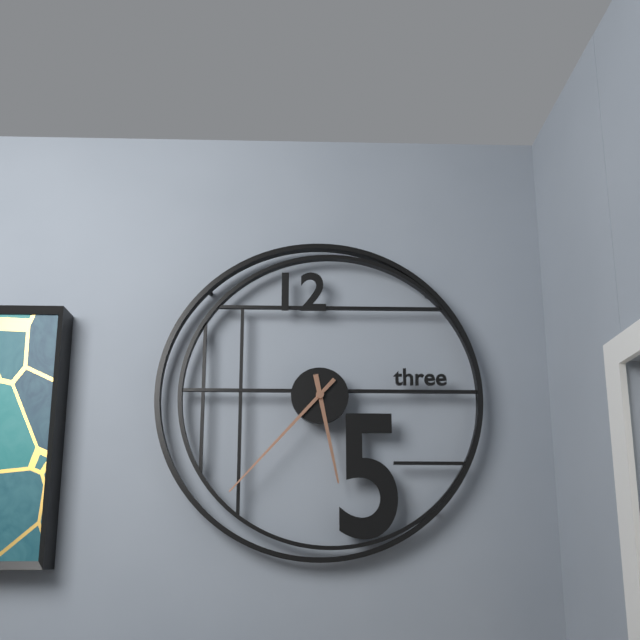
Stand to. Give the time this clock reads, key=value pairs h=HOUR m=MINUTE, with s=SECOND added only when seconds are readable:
h=5 m=37
